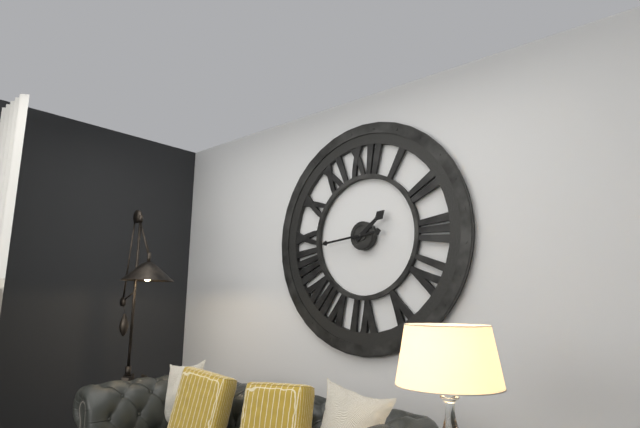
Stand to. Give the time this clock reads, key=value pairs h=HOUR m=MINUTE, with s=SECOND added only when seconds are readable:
h=1 m=44
